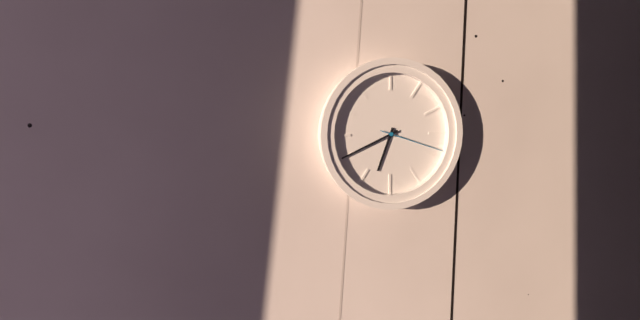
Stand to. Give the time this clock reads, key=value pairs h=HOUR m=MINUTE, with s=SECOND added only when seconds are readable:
h=6 m=41 s=18
